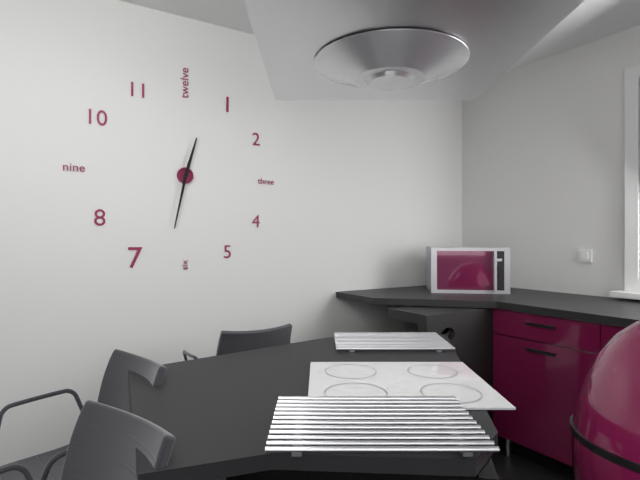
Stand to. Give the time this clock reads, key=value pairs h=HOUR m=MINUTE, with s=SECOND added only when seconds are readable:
h=12 m=32
